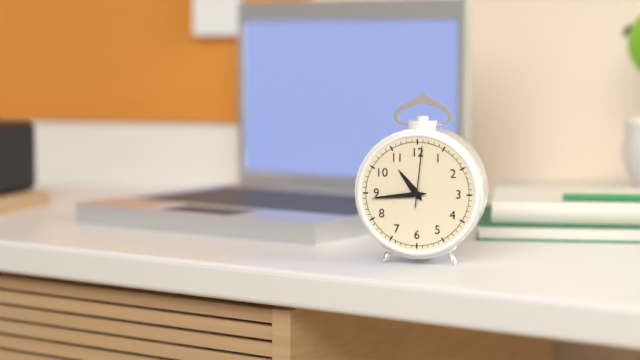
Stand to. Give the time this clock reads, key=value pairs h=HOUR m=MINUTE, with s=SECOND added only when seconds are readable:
h=10 m=44 s=1
